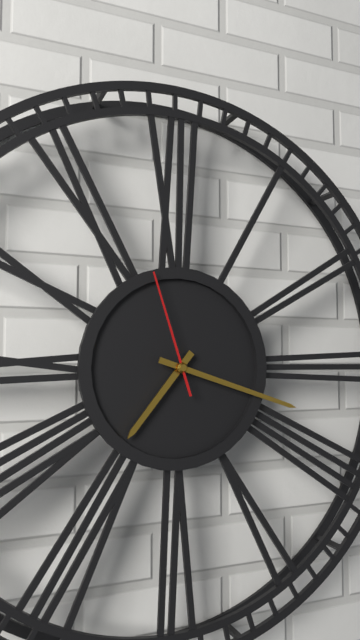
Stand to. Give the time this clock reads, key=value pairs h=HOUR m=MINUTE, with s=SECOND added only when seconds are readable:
h=7 m=18 s=57
